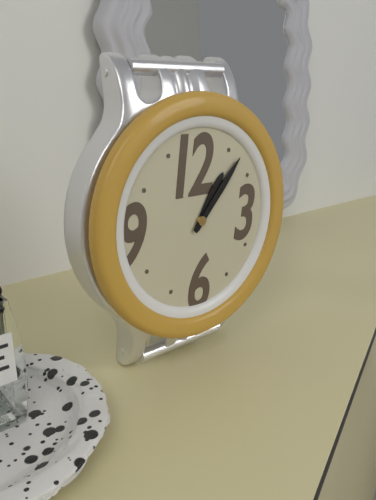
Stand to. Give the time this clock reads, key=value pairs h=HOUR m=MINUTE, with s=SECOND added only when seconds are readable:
h=1 m=7
